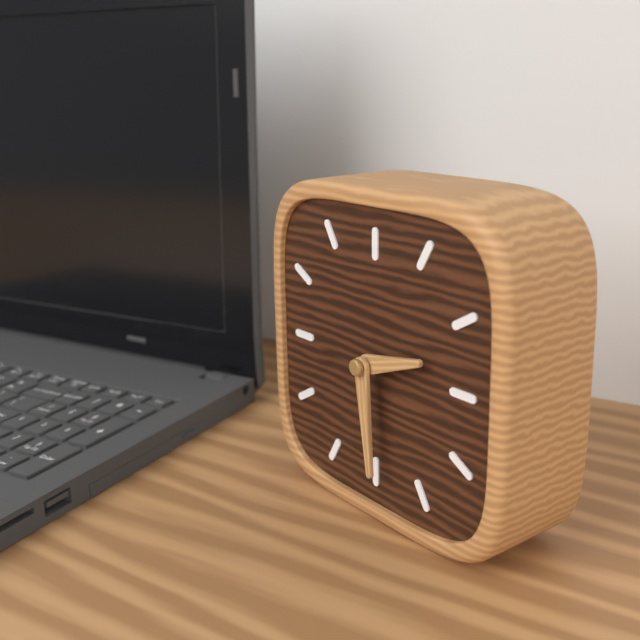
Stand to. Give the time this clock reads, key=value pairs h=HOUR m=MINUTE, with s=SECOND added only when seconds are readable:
h=2 m=29
